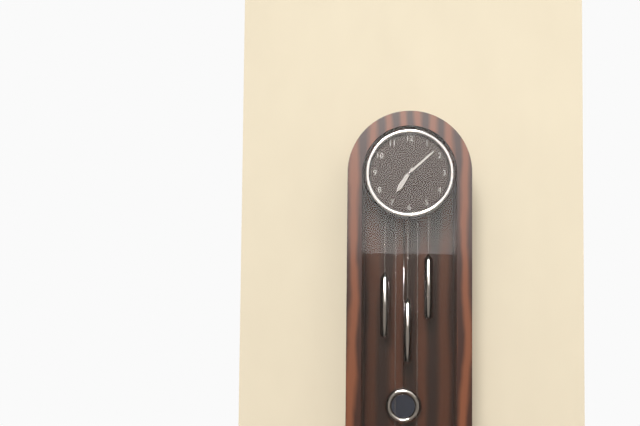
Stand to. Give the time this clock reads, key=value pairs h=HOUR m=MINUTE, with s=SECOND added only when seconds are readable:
h=7 m=8
